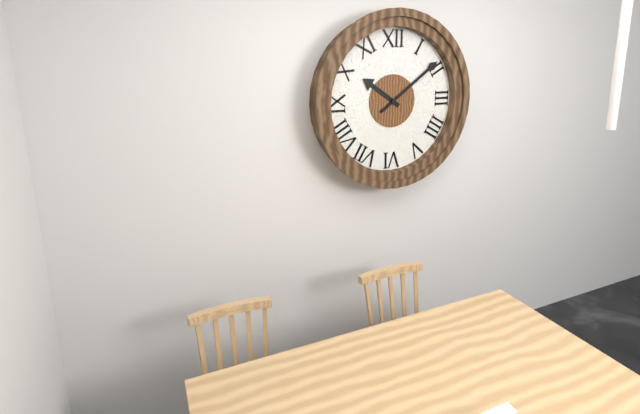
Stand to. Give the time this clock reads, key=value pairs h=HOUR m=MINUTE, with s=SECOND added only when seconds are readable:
h=10 m=9
